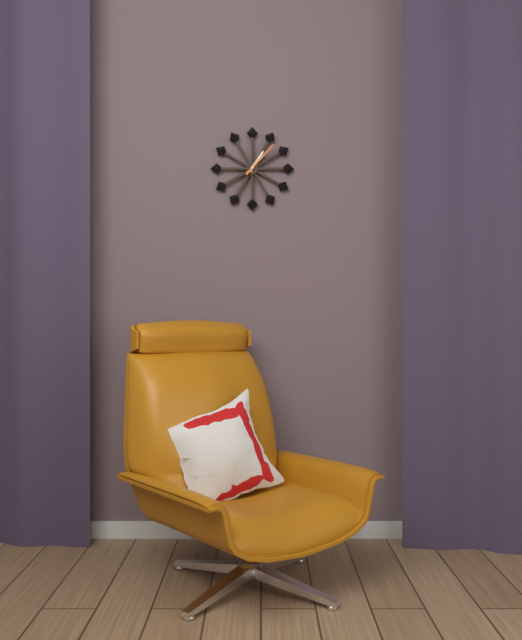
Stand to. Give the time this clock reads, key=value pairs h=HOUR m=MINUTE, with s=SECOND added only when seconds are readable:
h=1 m=7
